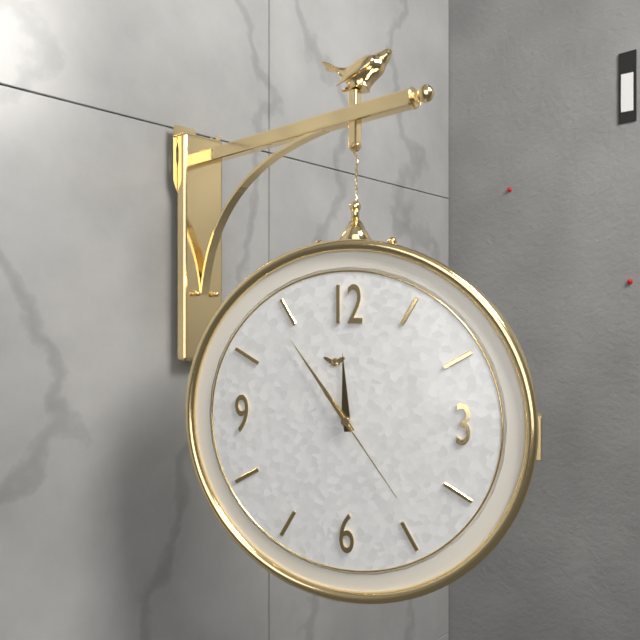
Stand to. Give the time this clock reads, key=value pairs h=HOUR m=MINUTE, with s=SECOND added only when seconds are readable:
h=11 m=54 s=24
